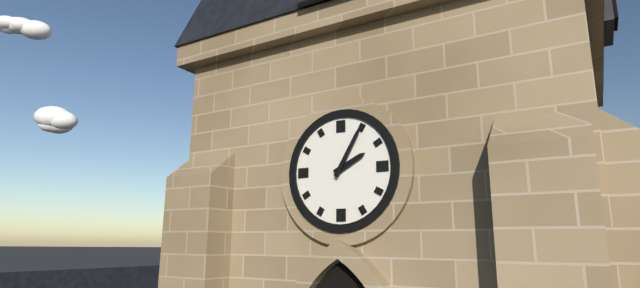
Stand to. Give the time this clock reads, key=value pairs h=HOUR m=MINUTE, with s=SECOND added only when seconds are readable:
h=2 m=5
